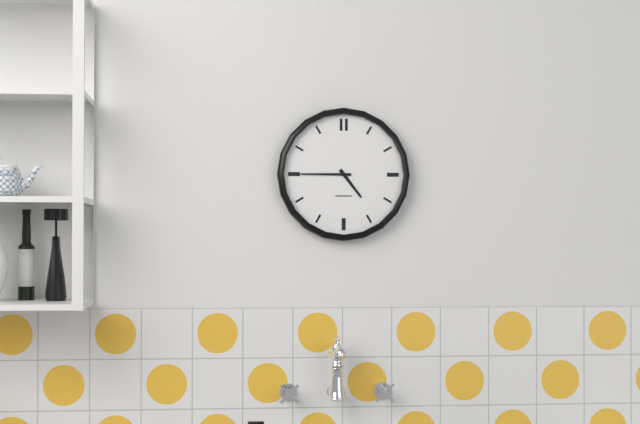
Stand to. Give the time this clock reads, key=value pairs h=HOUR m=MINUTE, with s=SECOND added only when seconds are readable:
h=4 m=45
